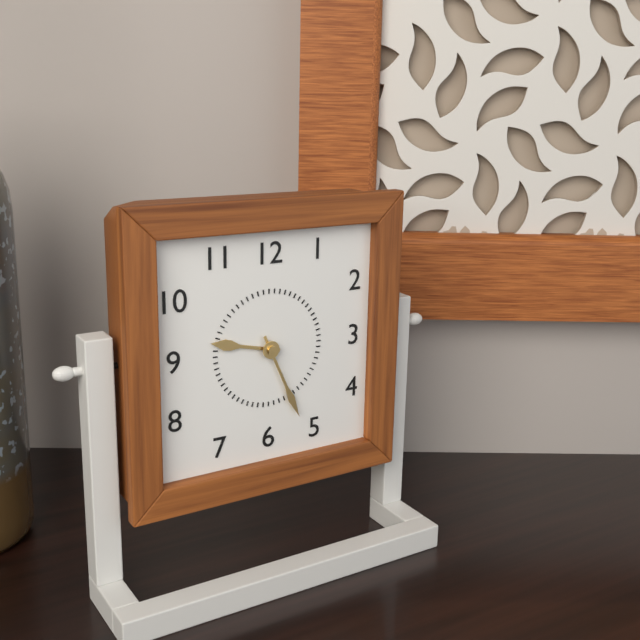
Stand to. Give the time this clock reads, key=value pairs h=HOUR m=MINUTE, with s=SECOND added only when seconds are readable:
h=9 m=26
